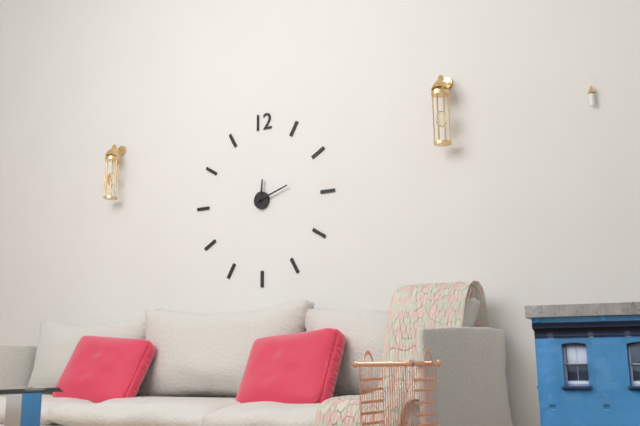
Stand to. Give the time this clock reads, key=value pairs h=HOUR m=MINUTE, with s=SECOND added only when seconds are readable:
h=12 m=12
